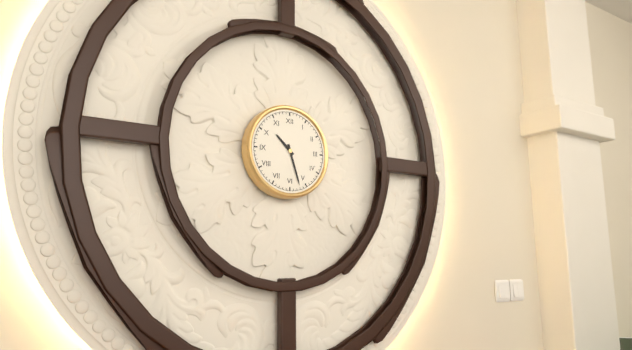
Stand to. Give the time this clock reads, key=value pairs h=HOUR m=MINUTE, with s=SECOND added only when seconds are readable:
h=10 m=27
